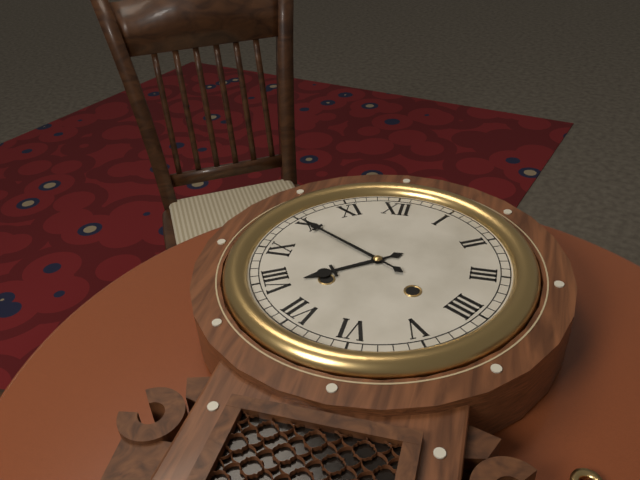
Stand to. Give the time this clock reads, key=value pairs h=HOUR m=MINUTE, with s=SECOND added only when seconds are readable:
h=7 m=50
